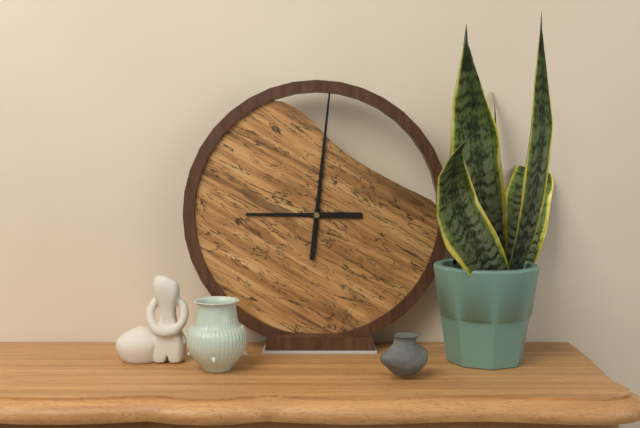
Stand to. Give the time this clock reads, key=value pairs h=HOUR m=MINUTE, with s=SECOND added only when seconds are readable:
h=9 m=1
